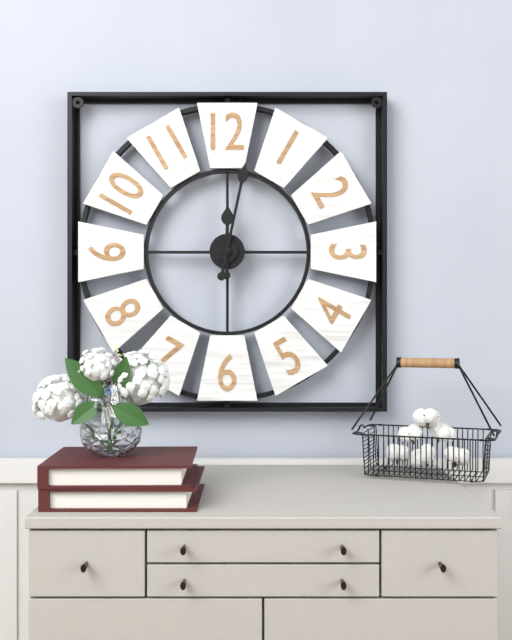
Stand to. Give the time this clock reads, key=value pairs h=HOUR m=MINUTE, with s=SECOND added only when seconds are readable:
h=12 m=2
